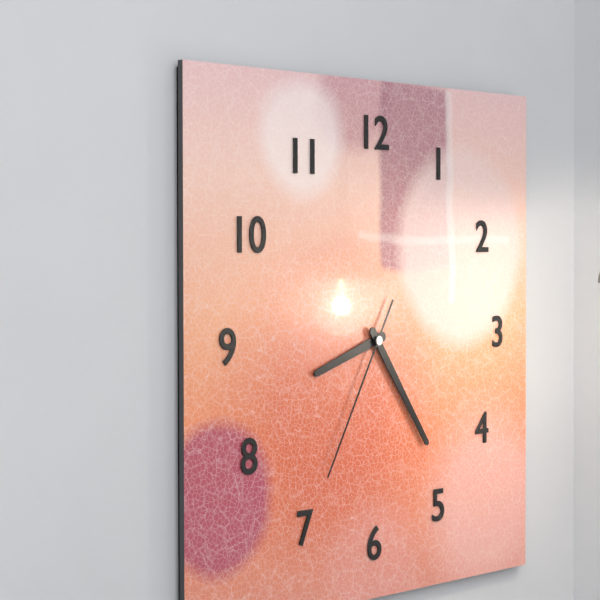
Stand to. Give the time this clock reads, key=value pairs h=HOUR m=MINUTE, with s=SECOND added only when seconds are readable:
h=8 m=24 s=35
